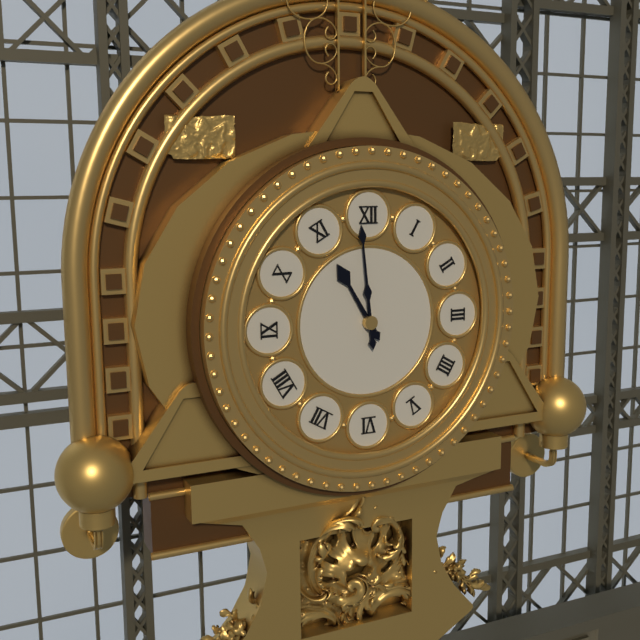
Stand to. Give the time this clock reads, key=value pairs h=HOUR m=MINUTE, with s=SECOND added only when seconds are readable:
h=10 m=59
